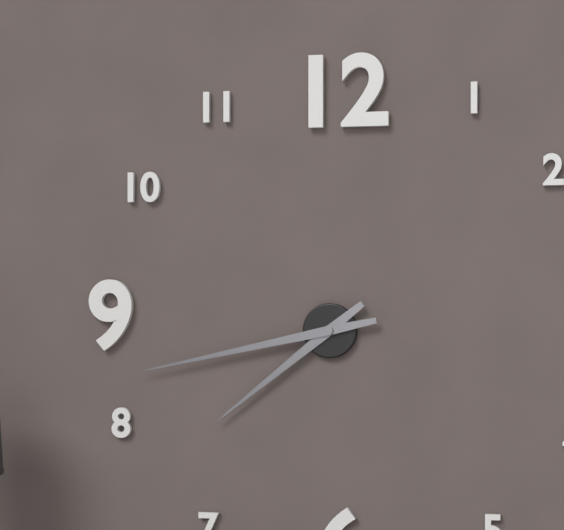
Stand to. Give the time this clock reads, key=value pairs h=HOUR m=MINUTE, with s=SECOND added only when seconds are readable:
h=7 m=43
